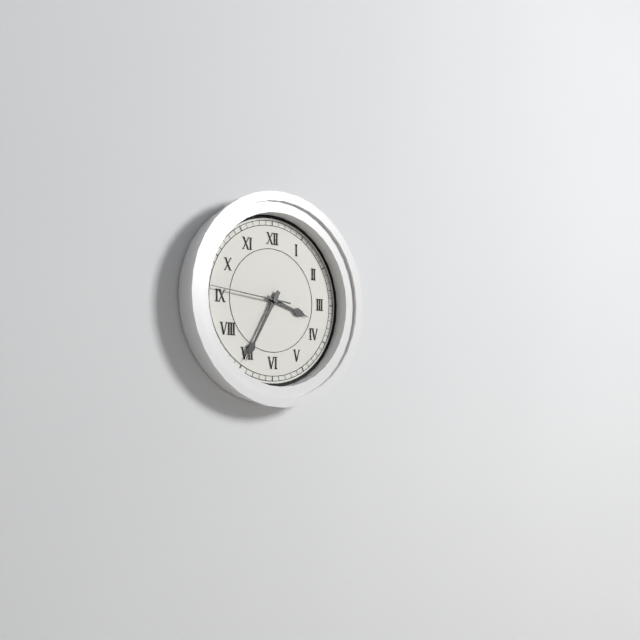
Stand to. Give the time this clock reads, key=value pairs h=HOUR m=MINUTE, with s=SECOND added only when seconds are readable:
h=3 m=35 s=46
